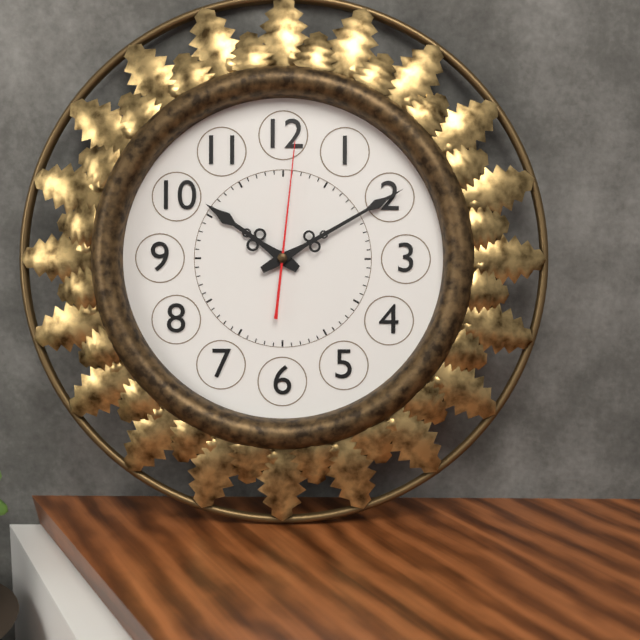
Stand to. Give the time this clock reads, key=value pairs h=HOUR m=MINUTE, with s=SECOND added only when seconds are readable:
h=10 m=10 s=1
